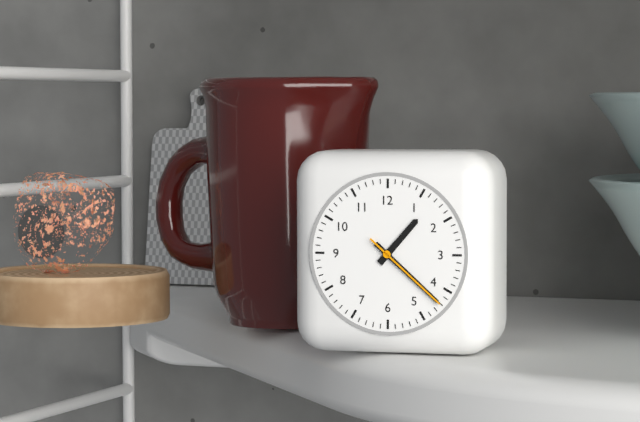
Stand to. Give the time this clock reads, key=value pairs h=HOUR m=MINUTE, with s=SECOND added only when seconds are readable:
h=1 m=22 s=22
